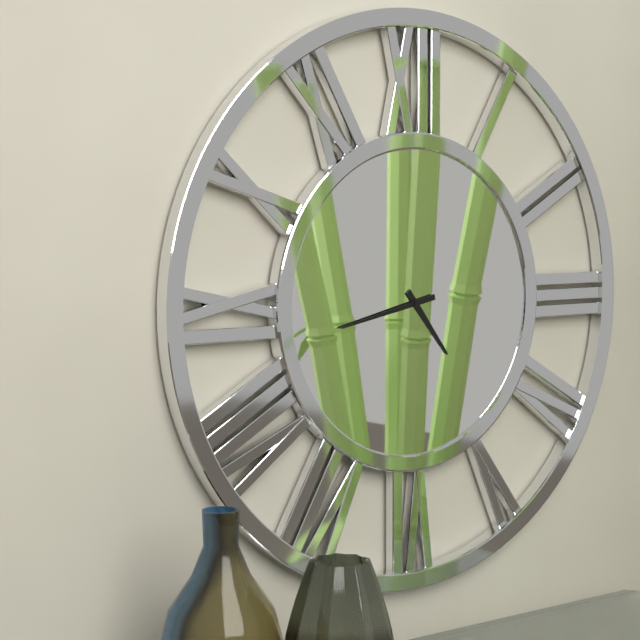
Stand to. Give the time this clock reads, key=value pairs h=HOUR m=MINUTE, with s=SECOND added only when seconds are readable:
h=4 m=43
